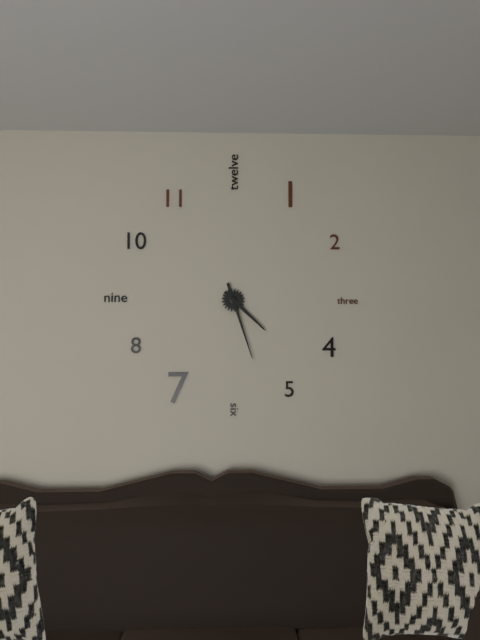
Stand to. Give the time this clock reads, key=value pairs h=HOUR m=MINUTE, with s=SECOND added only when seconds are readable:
h=4 m=27
